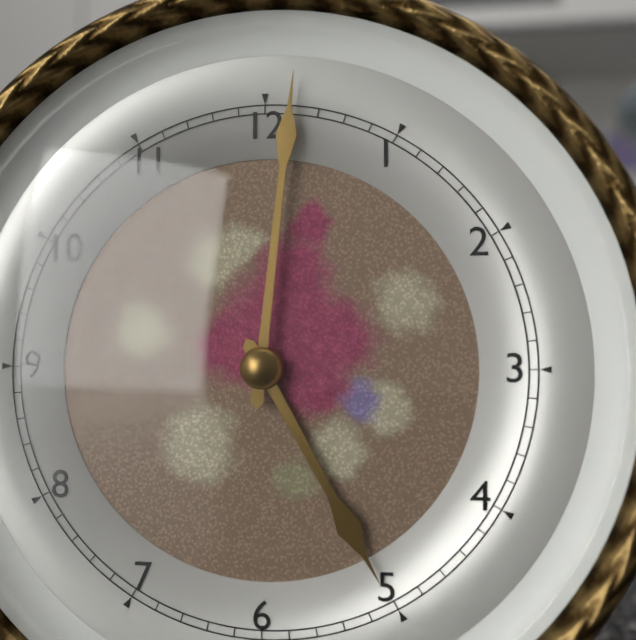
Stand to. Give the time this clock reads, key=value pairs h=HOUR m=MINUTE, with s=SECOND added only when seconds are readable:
h=5 m=1
